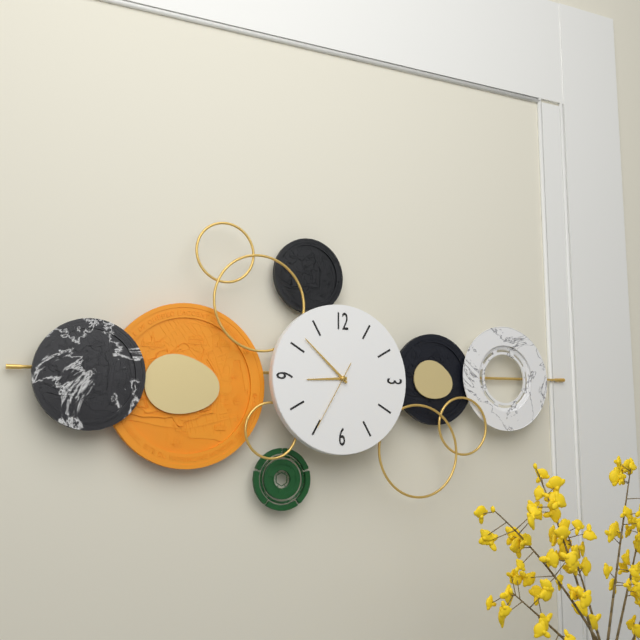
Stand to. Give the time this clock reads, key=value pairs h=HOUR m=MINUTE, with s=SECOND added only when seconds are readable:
h=8 m=52 s=35
